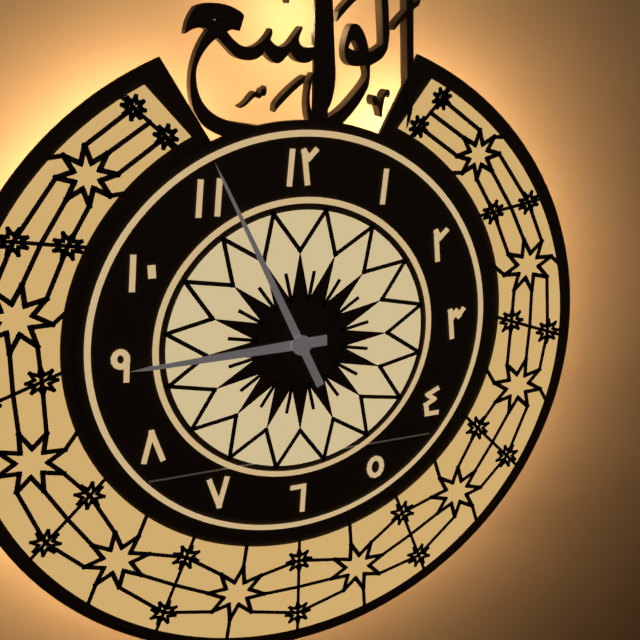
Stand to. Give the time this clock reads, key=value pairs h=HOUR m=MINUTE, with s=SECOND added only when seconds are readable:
h=8 m=56
